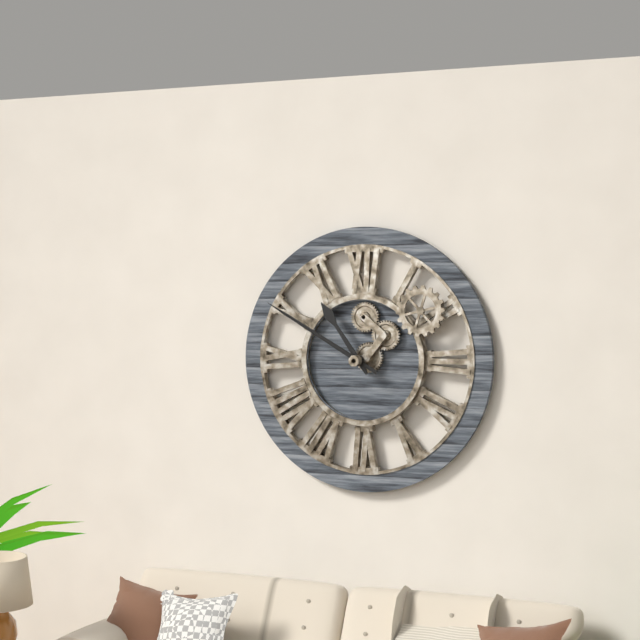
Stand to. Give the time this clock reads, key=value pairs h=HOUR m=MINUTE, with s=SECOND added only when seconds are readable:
h=10 m=50
